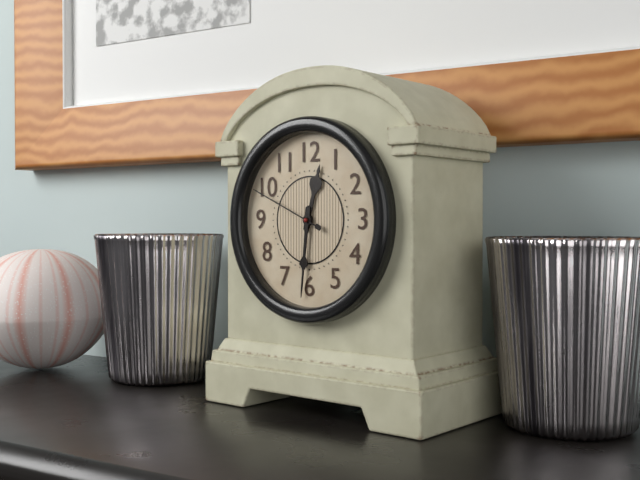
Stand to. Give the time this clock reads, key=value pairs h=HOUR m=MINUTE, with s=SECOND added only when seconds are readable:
h=12 m=31 s=49
